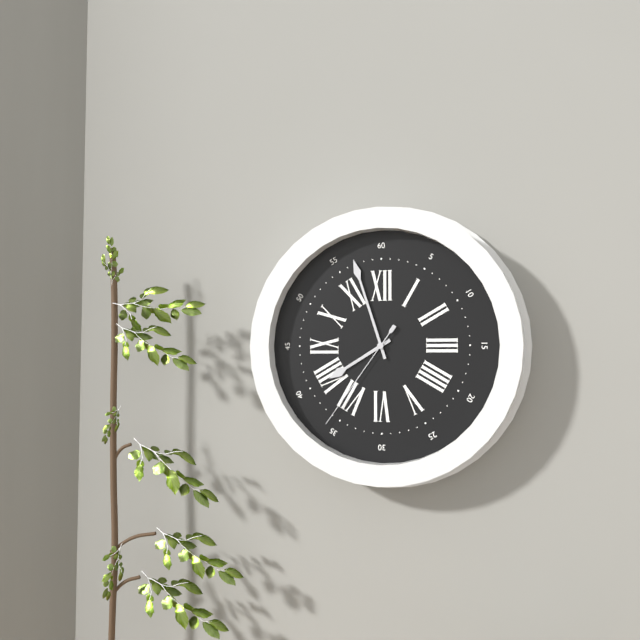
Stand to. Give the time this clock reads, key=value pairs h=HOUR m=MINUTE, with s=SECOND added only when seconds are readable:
h=7 m=57 s=36
